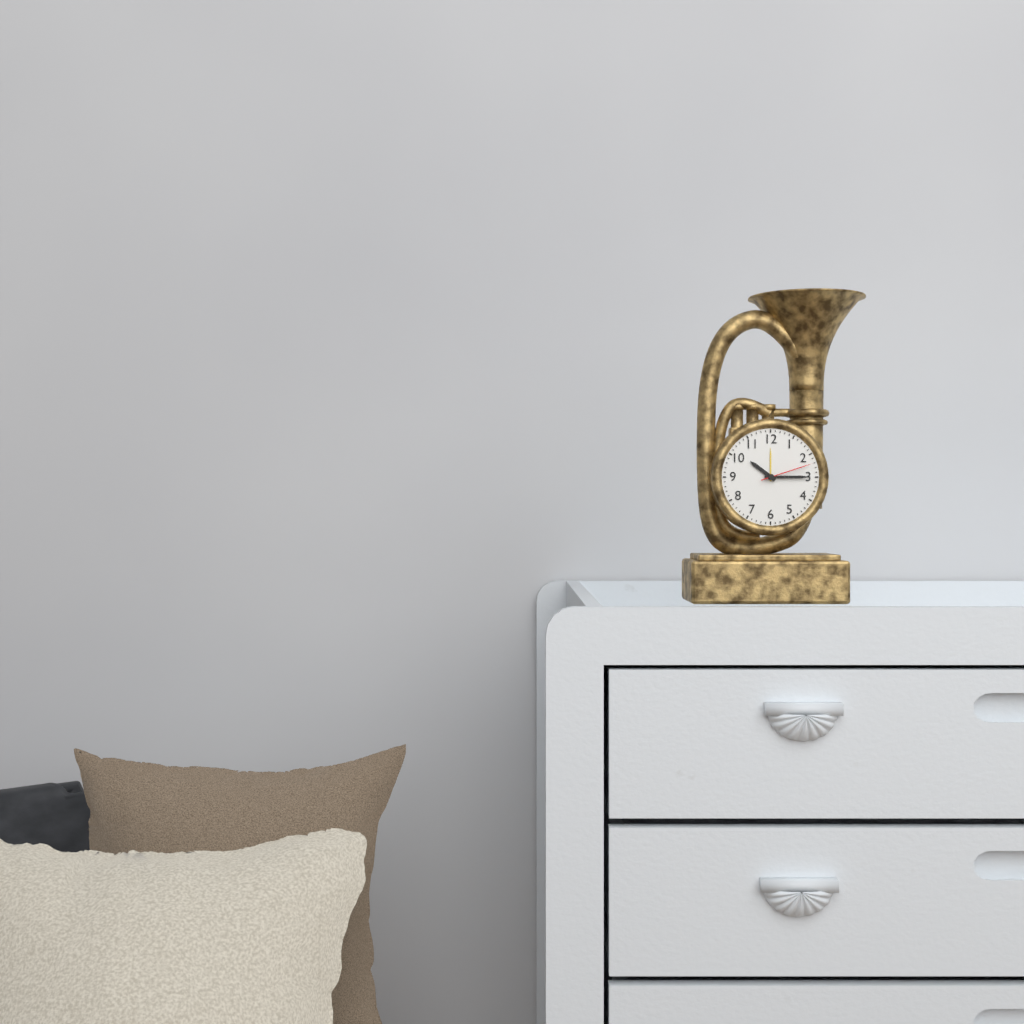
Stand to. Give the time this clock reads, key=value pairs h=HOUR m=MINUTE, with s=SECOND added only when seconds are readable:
h=10 m=15 s=12
